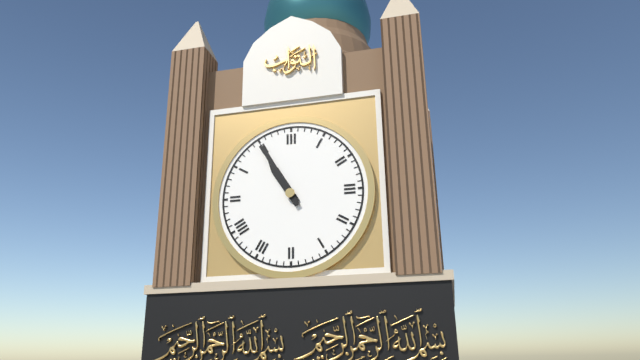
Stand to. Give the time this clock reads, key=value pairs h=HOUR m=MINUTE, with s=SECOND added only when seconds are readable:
h=10 m=55
